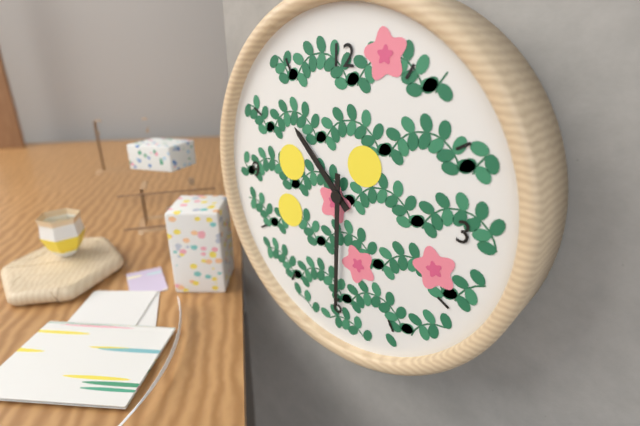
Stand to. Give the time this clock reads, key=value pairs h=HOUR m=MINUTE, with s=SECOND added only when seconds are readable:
h=10 m=30
